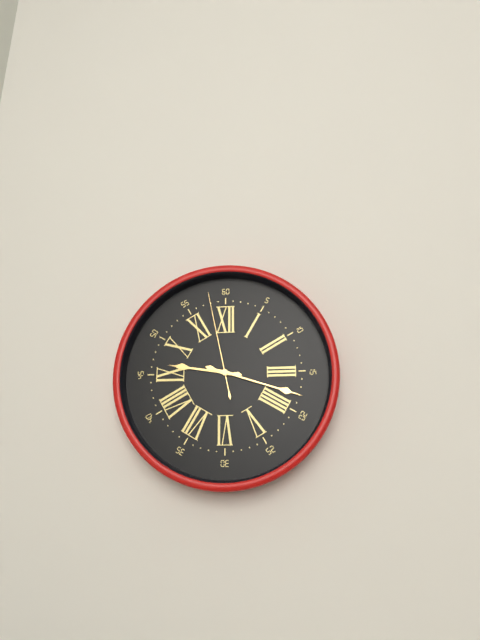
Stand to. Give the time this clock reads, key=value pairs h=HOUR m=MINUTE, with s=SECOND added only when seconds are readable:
h=9 m=18 s=58
